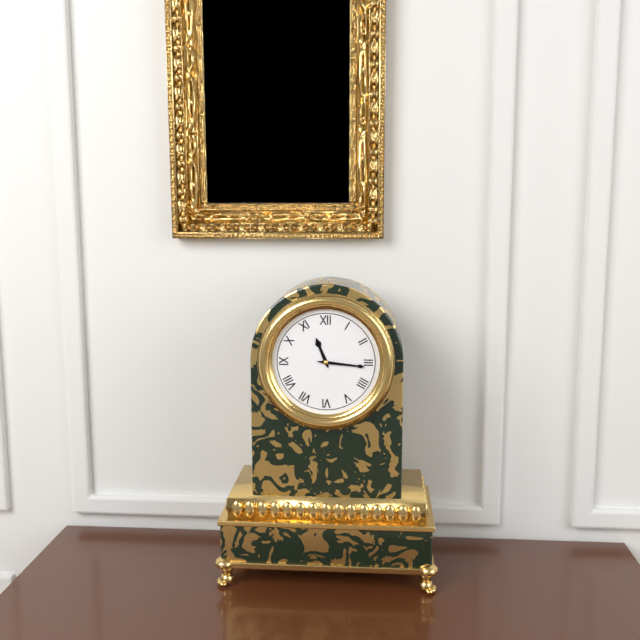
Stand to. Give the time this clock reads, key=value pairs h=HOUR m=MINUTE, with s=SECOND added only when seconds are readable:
h=11 m=16
